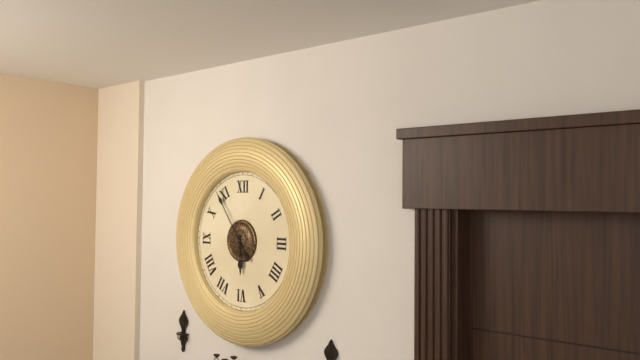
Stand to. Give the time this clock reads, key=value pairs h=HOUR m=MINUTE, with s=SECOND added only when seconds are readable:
h=5 m=54
